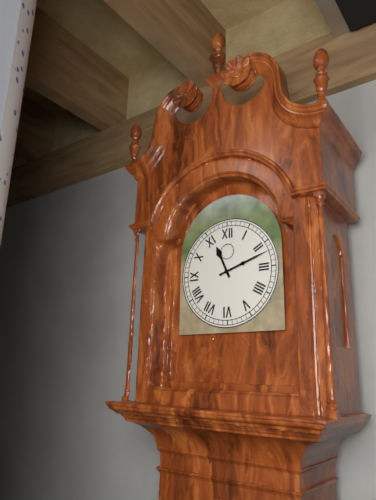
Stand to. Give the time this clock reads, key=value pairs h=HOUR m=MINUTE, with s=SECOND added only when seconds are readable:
h=11 m=12
